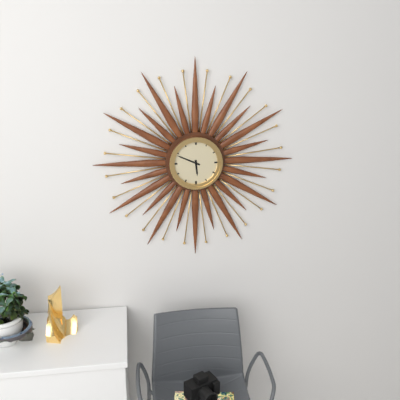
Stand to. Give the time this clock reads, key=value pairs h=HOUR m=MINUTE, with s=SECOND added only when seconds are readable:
h=5 m=49
